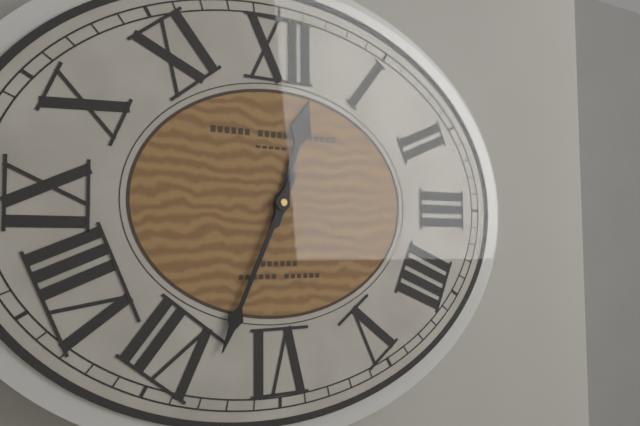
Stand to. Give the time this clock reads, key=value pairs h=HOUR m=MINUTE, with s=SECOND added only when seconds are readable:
h=12 m=34
